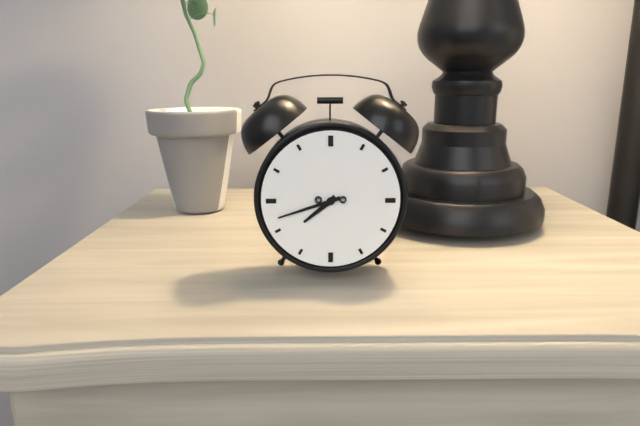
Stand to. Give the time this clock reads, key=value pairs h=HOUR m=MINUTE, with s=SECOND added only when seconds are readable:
h=7 m=42
